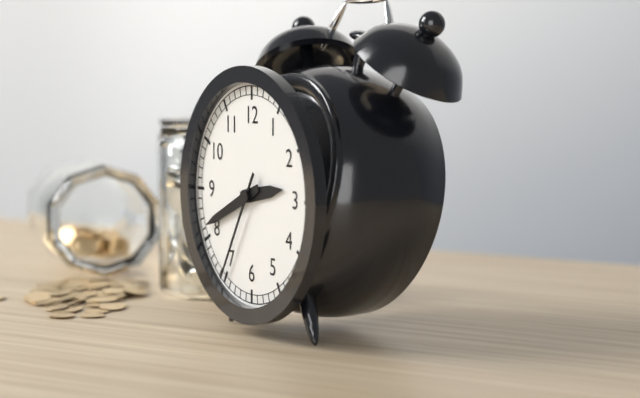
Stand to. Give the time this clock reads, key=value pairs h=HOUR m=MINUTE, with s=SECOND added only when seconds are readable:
h=2 m=41 s=35
